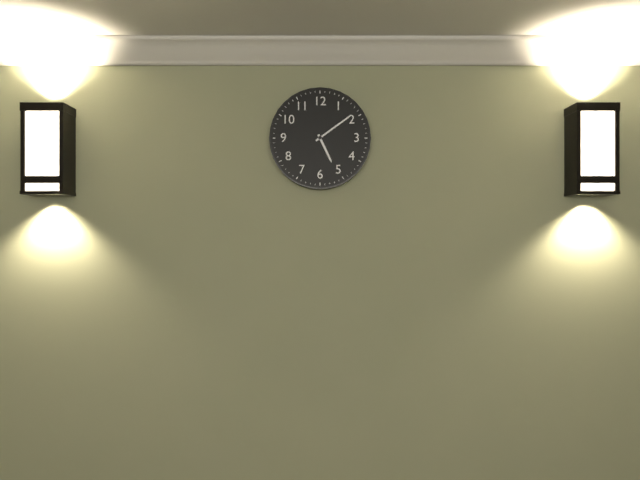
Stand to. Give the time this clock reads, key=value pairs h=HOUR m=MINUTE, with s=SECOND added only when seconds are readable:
h=5 m=9
